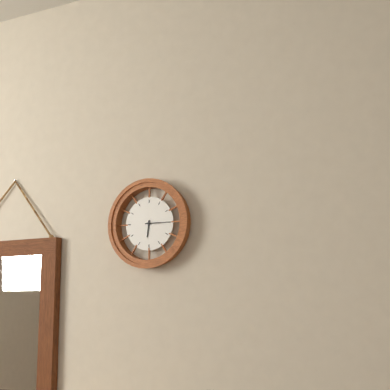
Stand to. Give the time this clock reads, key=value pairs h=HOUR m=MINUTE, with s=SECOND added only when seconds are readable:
h=6 m=15
